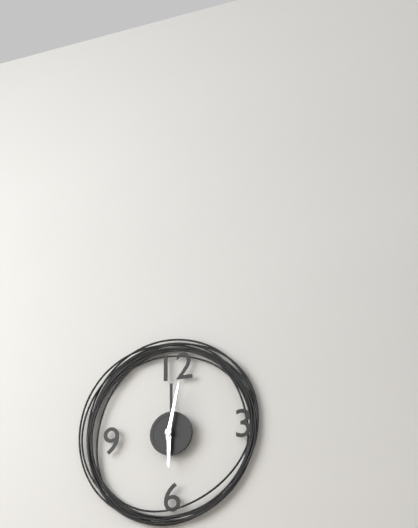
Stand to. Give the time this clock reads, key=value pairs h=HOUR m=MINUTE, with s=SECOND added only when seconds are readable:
h=6 m=2
